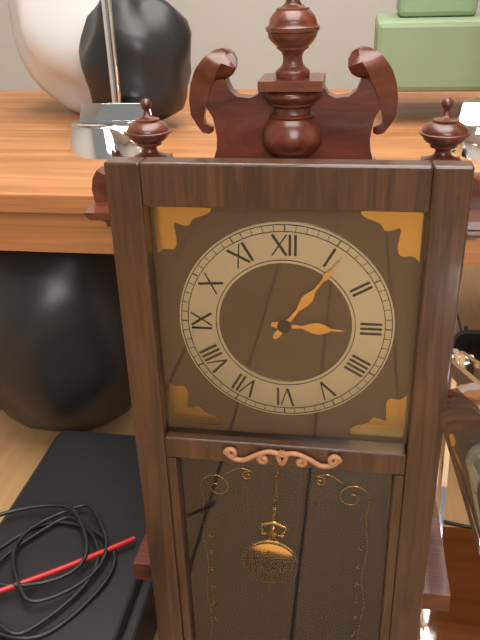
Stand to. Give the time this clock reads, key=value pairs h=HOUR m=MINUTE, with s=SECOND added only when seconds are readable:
h=3 m=6
